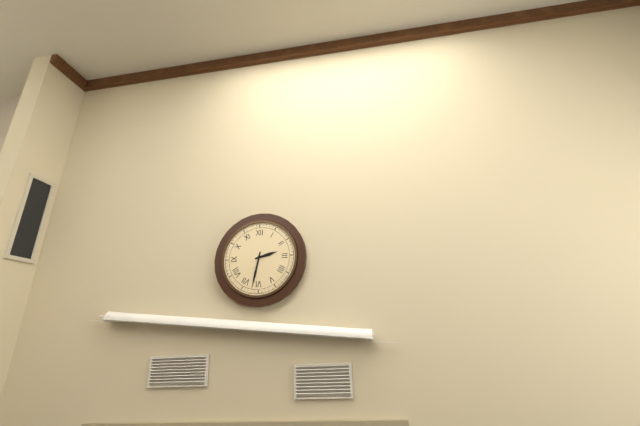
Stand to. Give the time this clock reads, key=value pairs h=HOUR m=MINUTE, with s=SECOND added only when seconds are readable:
h=2 m=32
